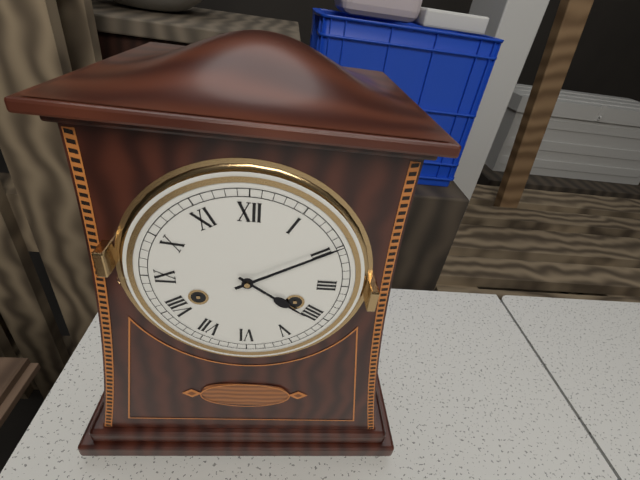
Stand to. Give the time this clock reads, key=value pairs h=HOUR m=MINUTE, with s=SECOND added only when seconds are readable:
h=4 m=10
